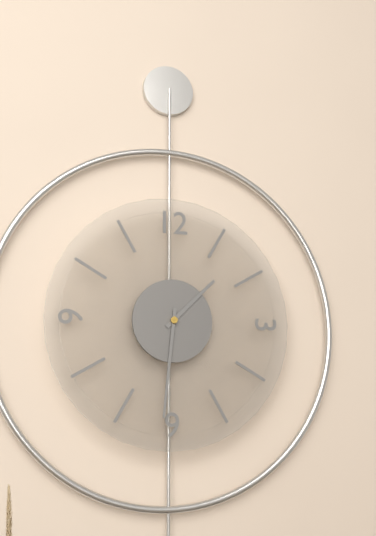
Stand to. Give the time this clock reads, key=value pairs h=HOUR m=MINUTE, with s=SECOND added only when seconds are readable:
h=1 m=31
